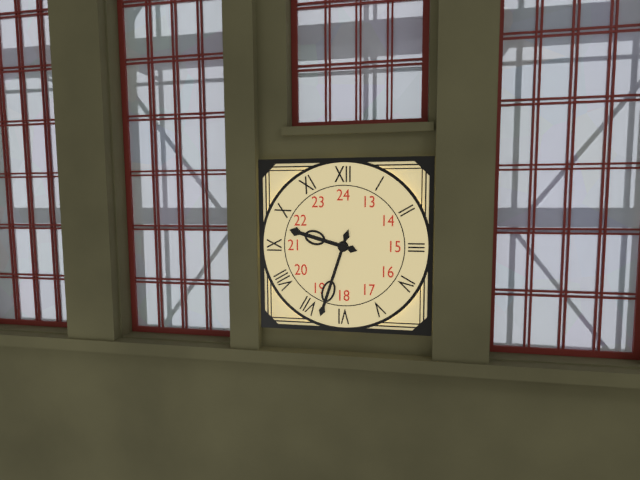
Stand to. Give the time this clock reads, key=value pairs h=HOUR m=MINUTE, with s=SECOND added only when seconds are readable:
h=9 m=33
